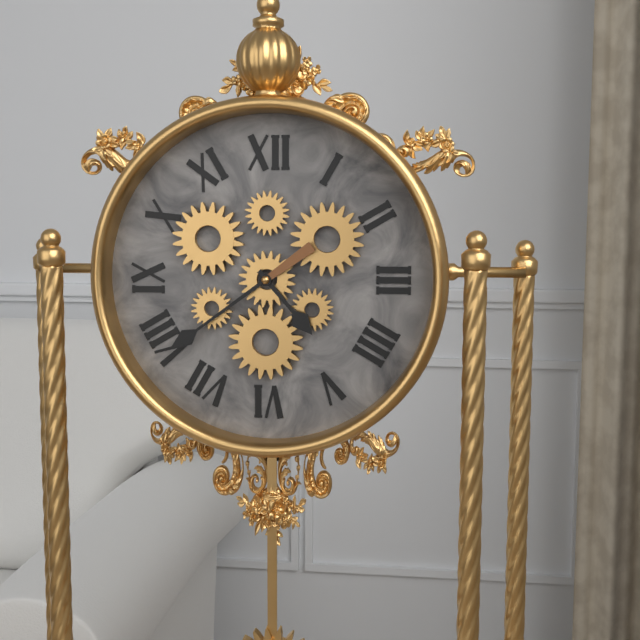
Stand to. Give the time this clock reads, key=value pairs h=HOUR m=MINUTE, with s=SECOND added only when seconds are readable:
h=4 m=39
